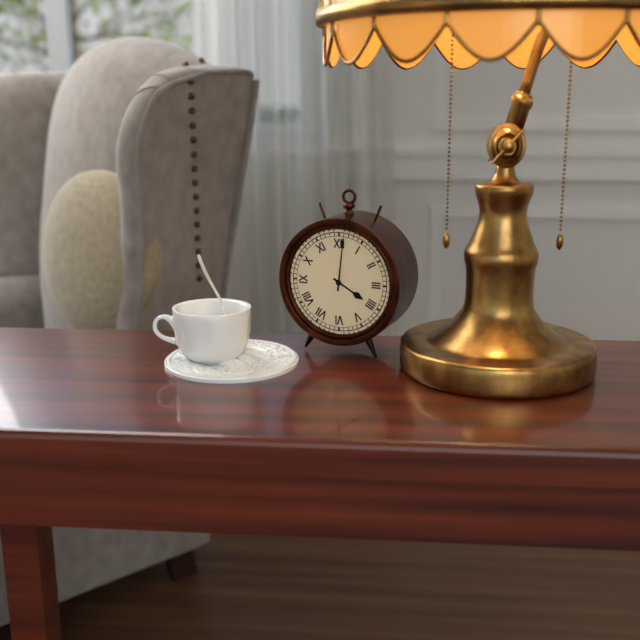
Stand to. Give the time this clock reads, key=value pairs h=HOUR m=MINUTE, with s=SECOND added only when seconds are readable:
h=4 m=1
